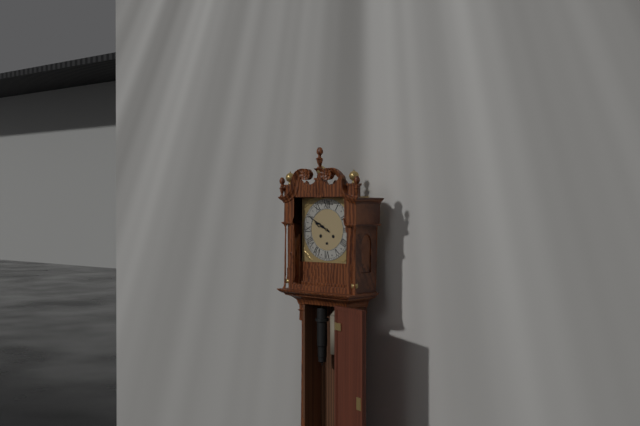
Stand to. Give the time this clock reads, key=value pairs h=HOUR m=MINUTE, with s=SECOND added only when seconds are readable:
h=9 m=50
